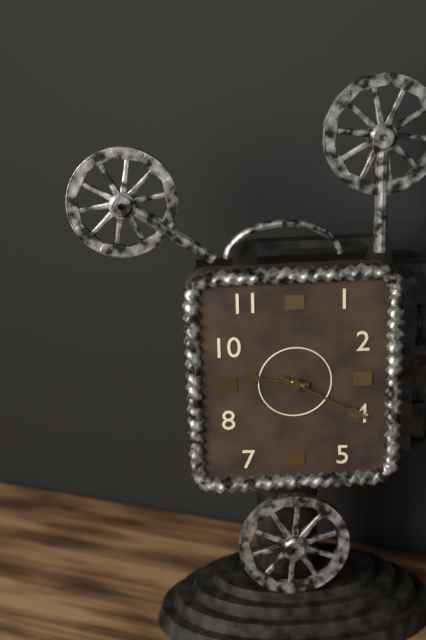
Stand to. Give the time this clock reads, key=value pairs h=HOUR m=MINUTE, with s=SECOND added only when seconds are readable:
h=9 m=20
